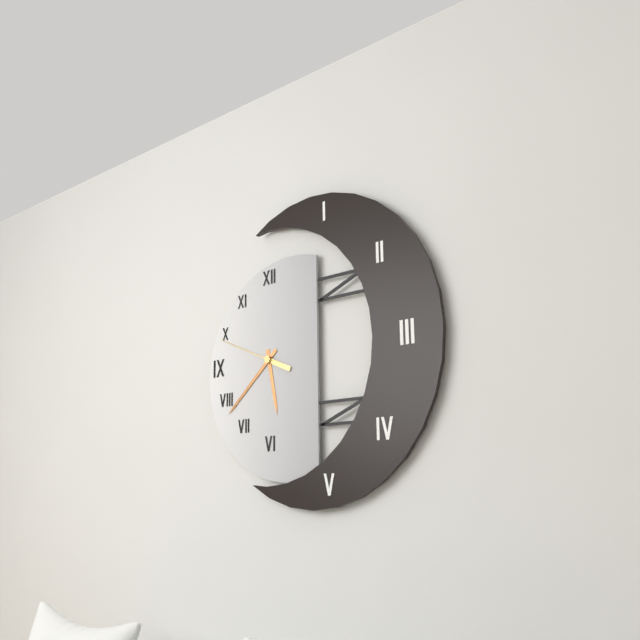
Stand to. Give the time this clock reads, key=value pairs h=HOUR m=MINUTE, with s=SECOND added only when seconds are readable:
h=5 m=38 s=49
